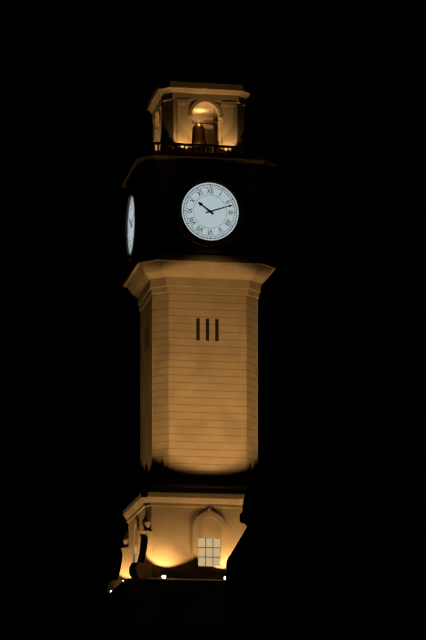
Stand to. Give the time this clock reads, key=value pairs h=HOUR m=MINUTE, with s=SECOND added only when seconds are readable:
h=10 m=12
